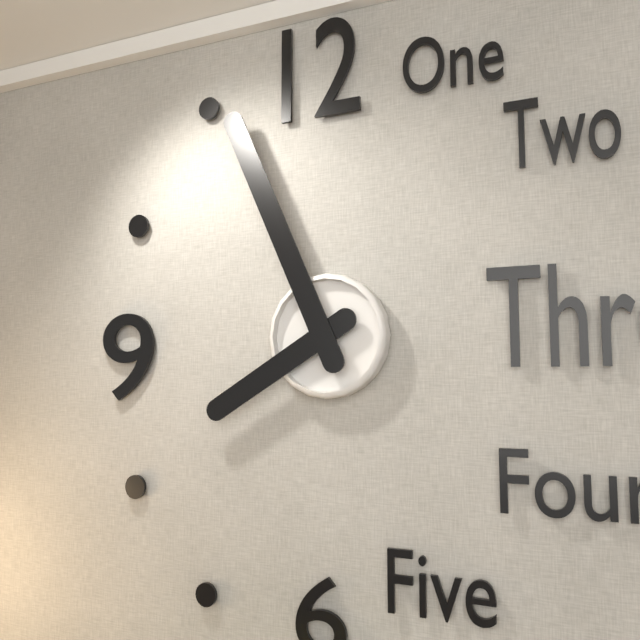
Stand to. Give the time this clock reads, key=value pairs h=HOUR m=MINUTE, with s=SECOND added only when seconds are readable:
h=7 m=56
